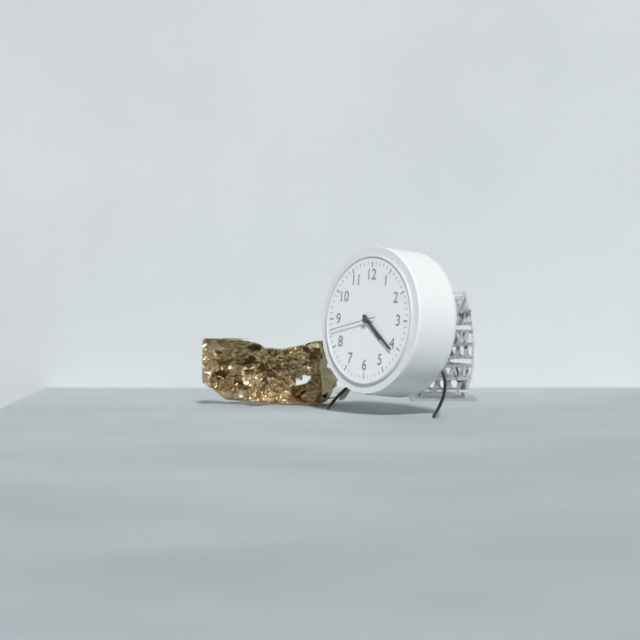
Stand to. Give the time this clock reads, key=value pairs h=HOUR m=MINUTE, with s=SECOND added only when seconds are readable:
h=4 m=21
